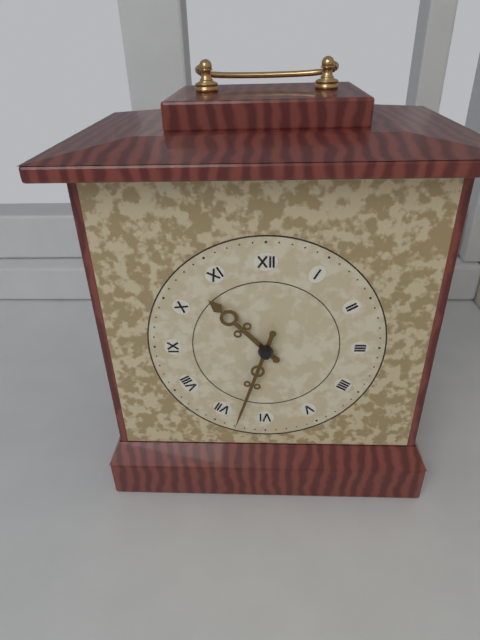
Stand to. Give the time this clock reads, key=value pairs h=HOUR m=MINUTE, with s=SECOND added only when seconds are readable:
h=10 m=33
